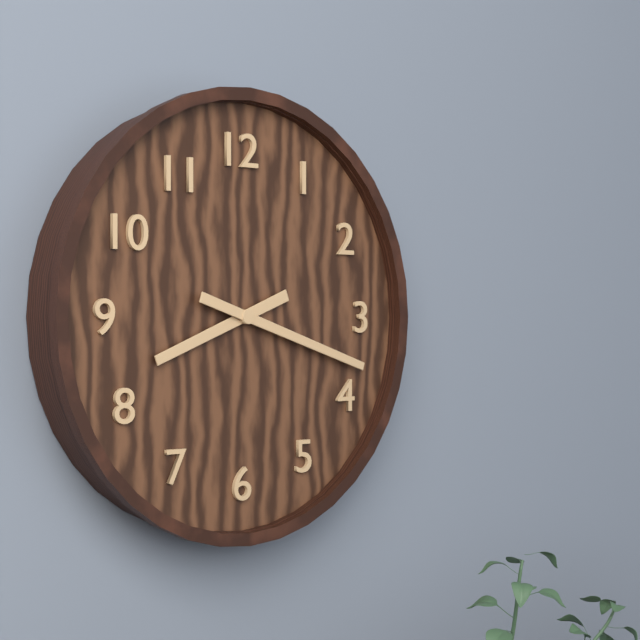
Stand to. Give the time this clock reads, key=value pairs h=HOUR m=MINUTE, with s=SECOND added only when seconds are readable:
h=8 m=18
